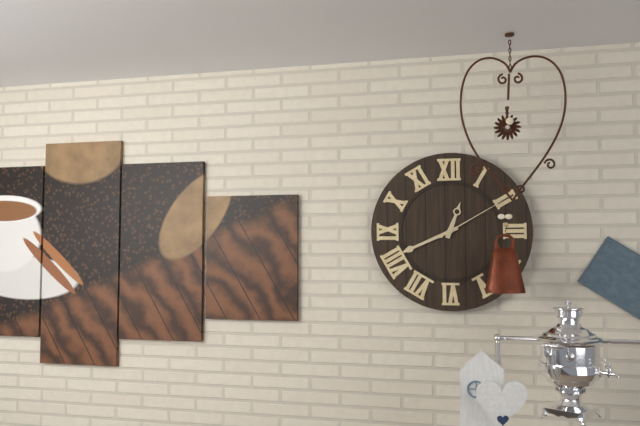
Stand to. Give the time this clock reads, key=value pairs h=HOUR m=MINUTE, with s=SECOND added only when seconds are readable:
h=12 m=41 s=10
